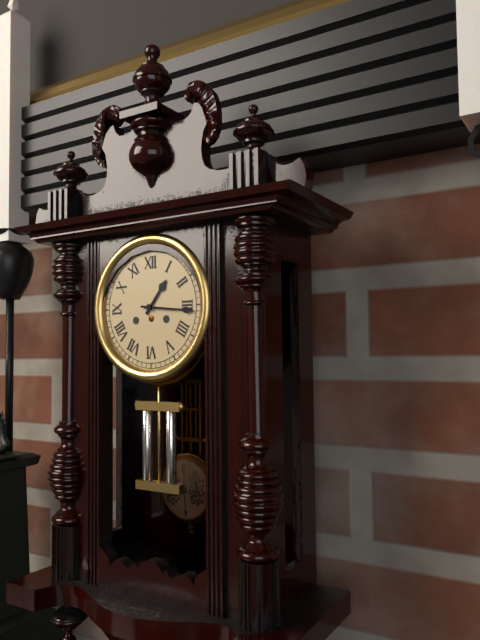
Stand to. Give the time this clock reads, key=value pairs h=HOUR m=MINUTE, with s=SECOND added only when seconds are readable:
h=1 m=16
